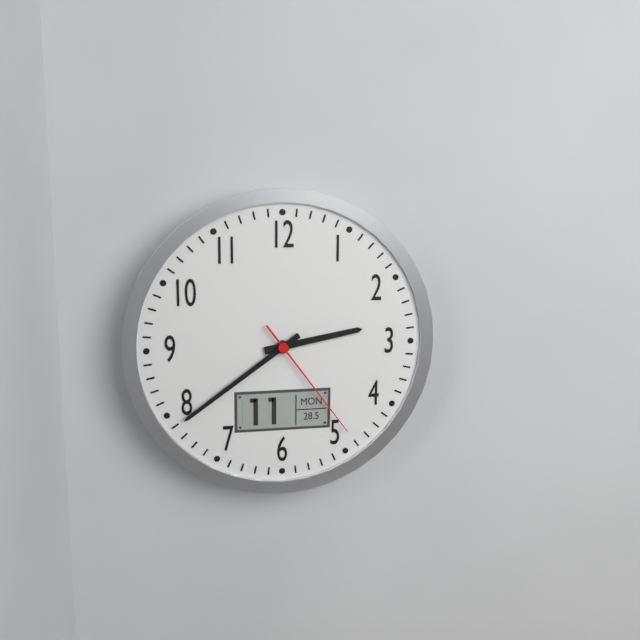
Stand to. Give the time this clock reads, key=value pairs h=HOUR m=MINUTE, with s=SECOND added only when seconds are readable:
h=2 m=39 s=24
